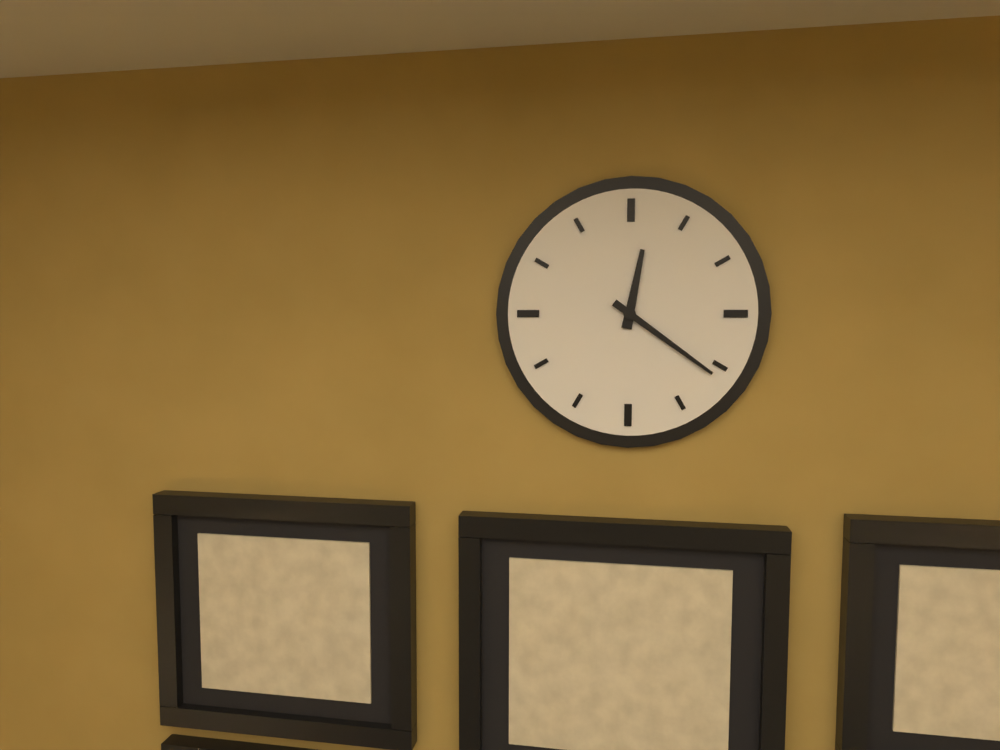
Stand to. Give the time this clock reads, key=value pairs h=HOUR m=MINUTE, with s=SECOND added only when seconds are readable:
h=12 m=21
